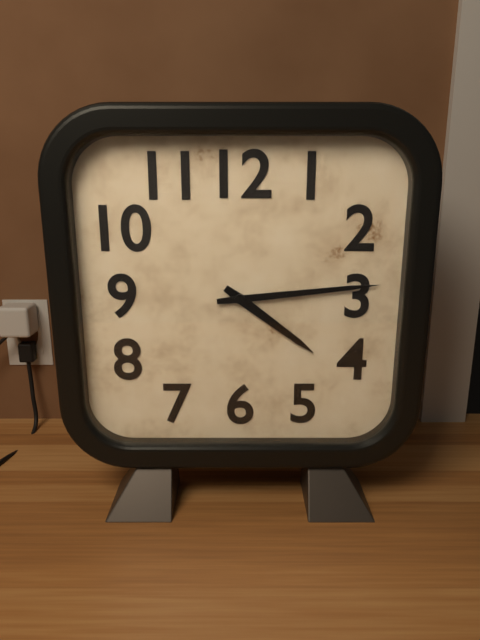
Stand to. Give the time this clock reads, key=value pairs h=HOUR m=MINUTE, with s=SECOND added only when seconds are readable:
h=4 m=14
